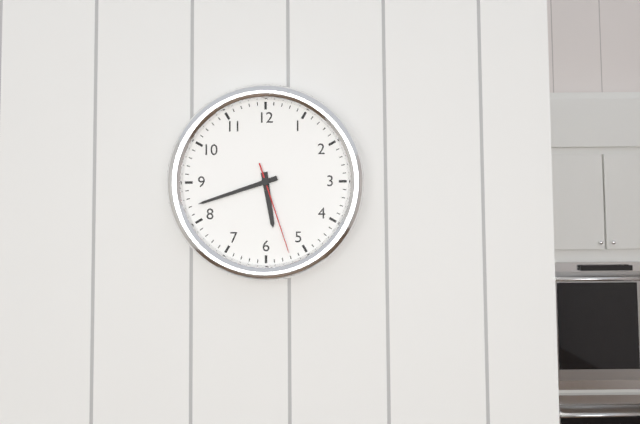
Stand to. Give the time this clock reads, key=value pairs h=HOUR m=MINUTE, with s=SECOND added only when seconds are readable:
h=5 m=42 s=27
